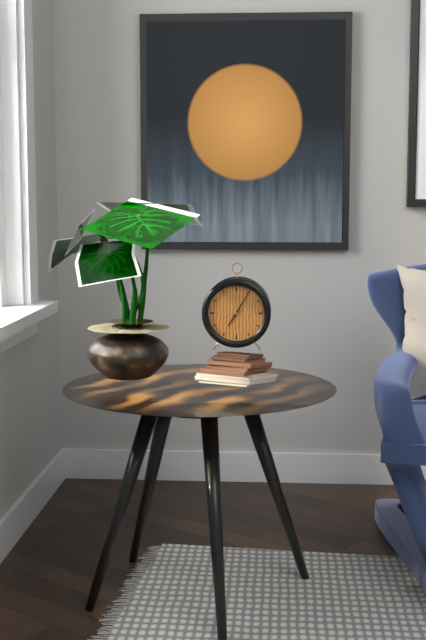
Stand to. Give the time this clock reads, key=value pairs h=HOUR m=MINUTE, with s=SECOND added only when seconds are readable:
h=7 m=5
